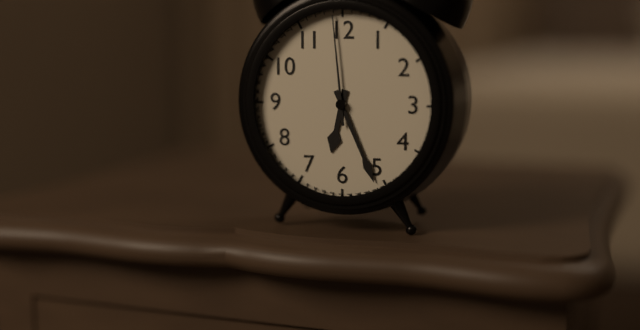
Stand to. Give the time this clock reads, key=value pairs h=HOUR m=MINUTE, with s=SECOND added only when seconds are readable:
h=6 m=26 s=59
